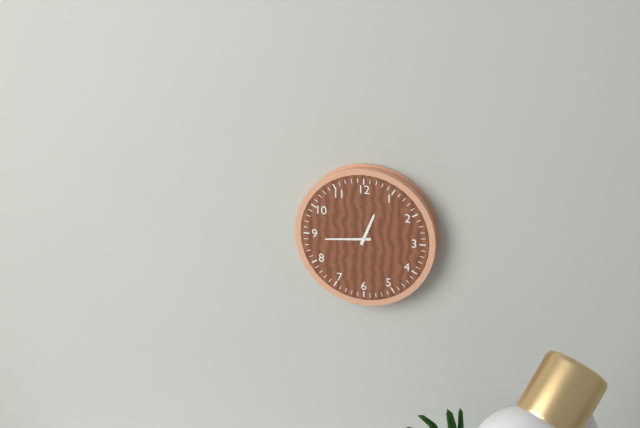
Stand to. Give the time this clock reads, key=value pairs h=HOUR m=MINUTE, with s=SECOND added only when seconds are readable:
h=12 m=44
